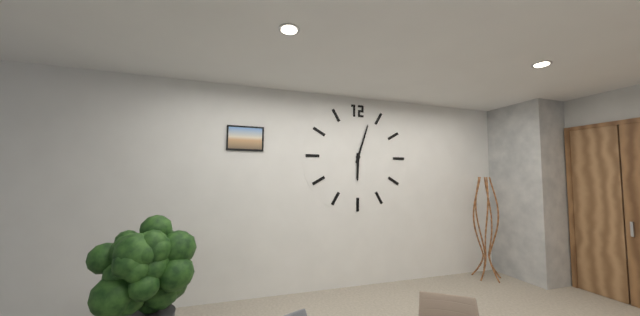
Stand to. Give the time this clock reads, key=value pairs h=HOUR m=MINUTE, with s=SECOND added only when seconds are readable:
h=6 m=3
